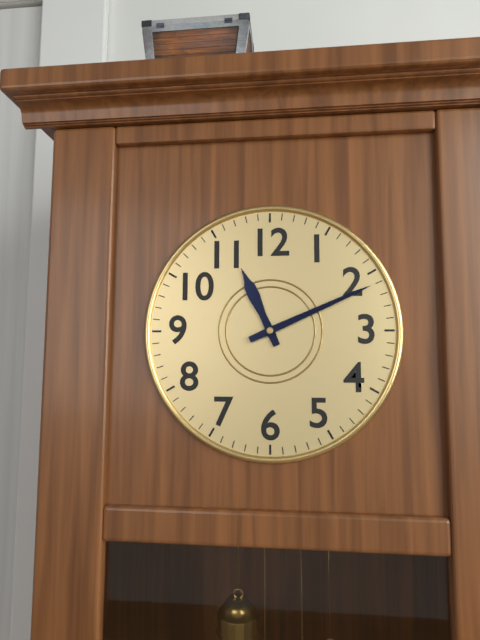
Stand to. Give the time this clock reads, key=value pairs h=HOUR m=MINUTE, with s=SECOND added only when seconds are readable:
h=11 m=11
